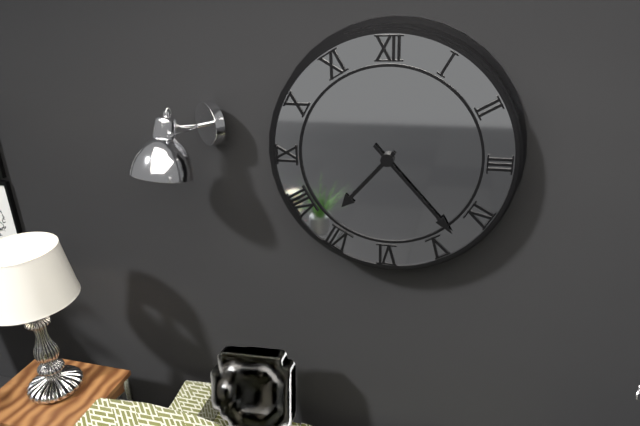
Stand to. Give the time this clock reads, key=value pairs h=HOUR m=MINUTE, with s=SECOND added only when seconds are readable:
h=7 m=23
